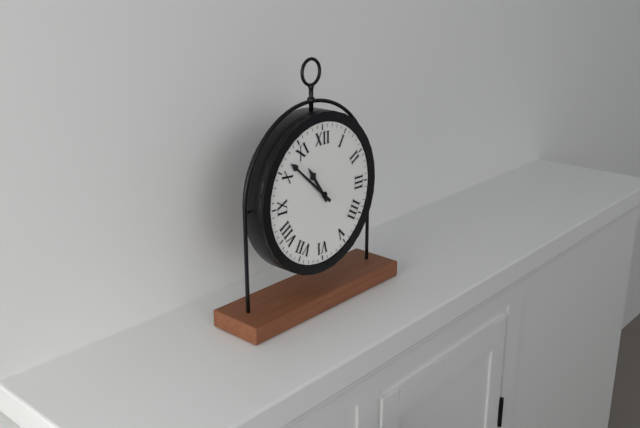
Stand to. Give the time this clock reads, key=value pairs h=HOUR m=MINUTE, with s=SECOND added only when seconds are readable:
h=10 m=52
